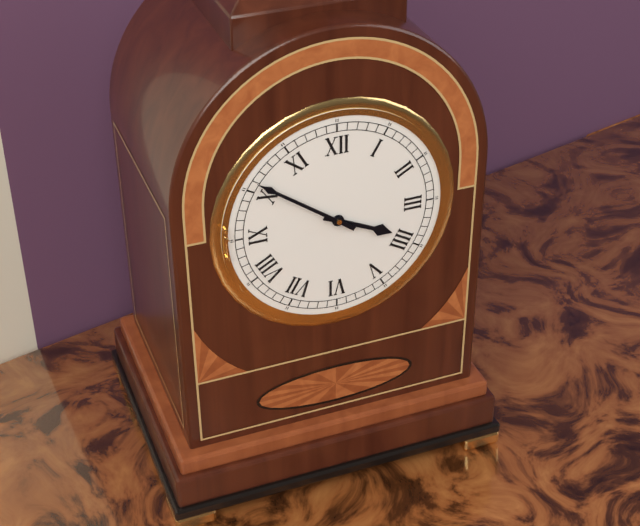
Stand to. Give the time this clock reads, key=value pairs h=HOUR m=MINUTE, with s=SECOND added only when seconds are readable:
h=3 m=51
